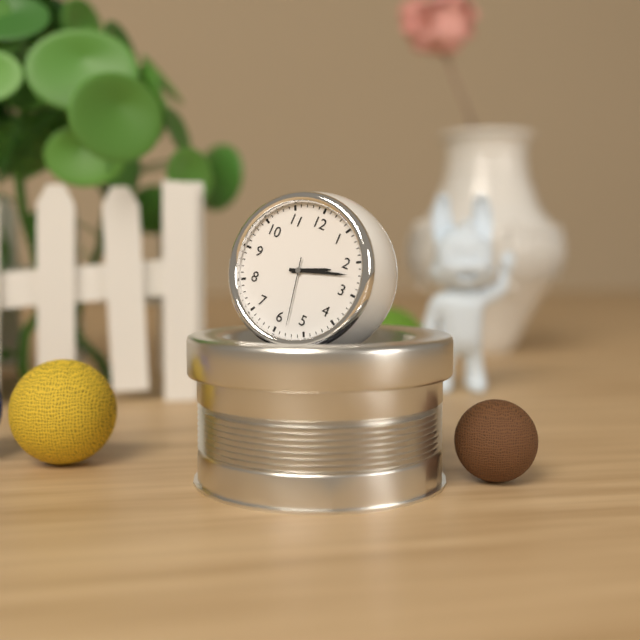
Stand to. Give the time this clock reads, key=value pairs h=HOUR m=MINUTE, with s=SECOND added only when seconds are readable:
h=2 m=12 s=28
